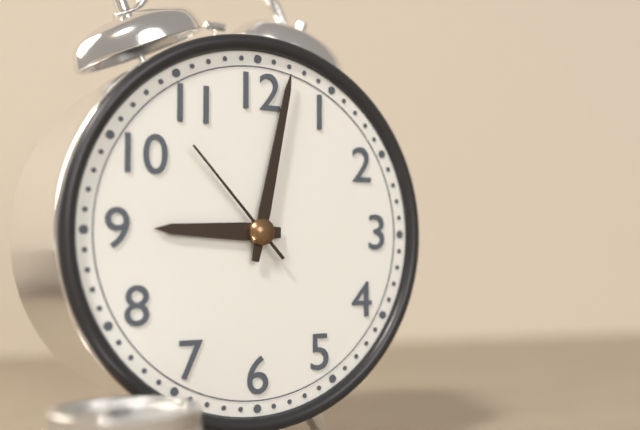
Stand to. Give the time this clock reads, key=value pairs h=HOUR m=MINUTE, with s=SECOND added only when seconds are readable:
h=9 m=2 s=53
